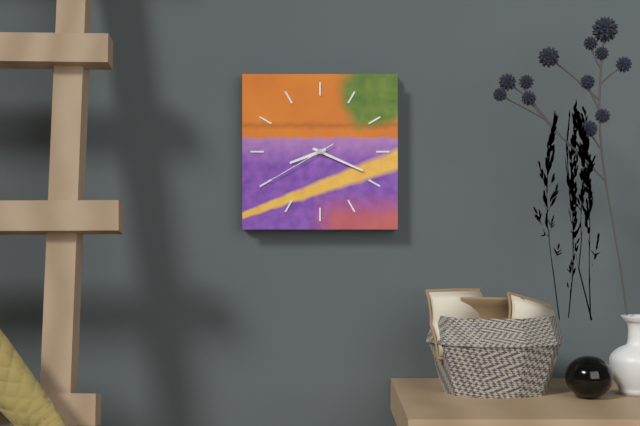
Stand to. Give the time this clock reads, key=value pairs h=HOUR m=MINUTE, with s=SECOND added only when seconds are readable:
h=8 m=19 s=40
